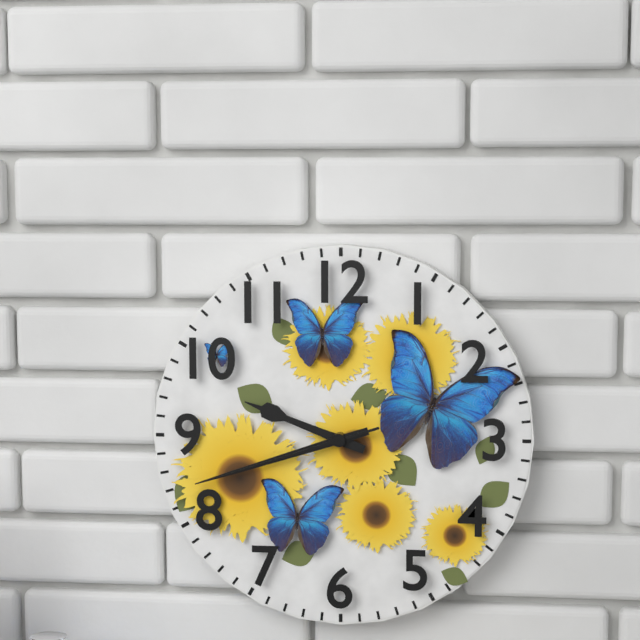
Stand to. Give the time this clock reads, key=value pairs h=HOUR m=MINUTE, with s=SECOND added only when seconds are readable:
h=9 m=42 s=42
